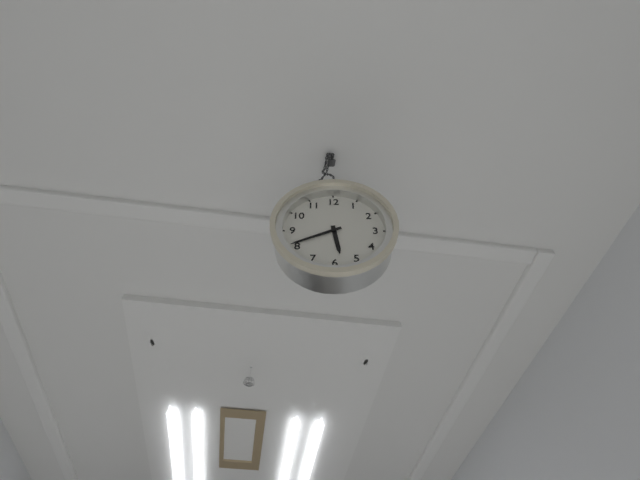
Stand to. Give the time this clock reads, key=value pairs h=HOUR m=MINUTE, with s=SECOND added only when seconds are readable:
h=5 m=41
